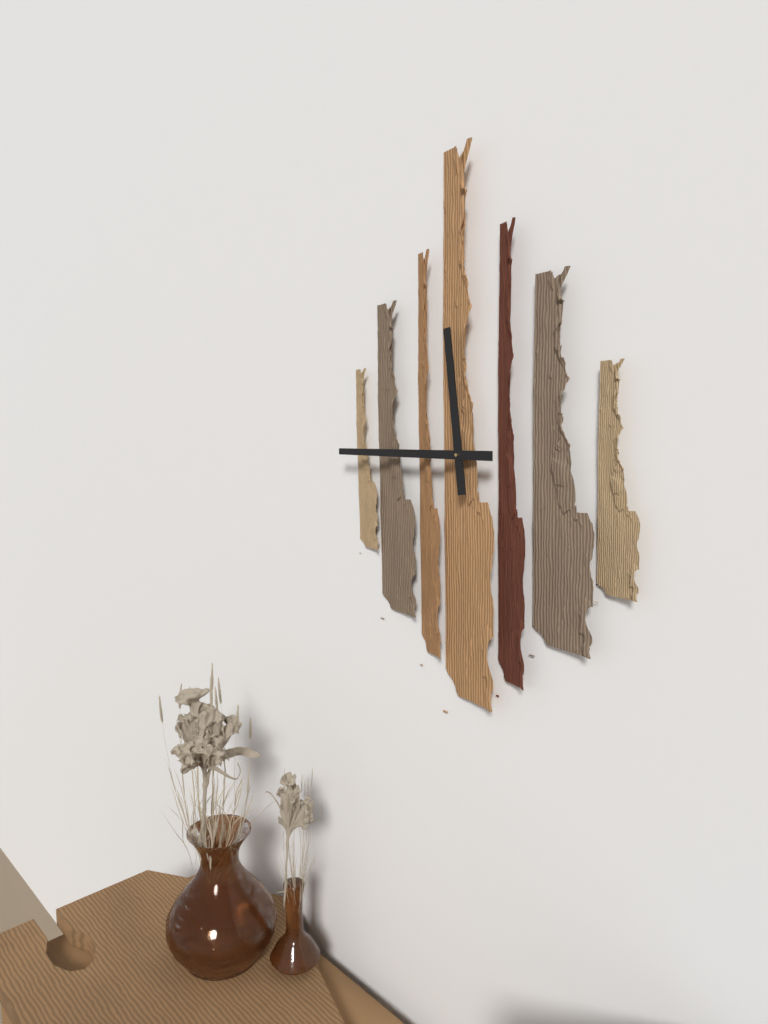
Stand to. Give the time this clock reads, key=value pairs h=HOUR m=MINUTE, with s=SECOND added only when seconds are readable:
h=11 m=45
